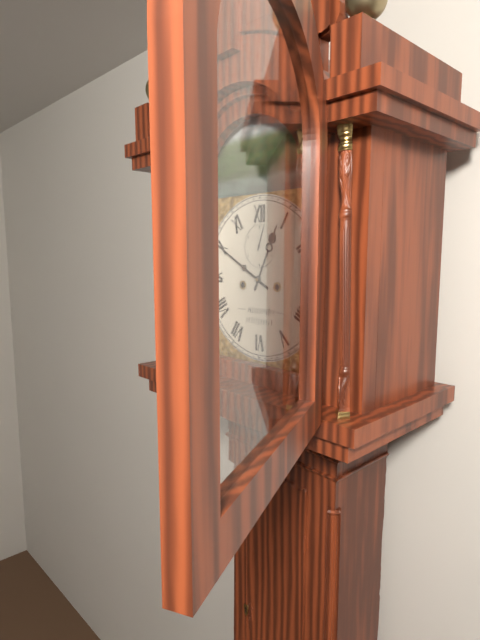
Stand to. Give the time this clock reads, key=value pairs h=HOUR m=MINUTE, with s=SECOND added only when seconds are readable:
h=12 m=50
